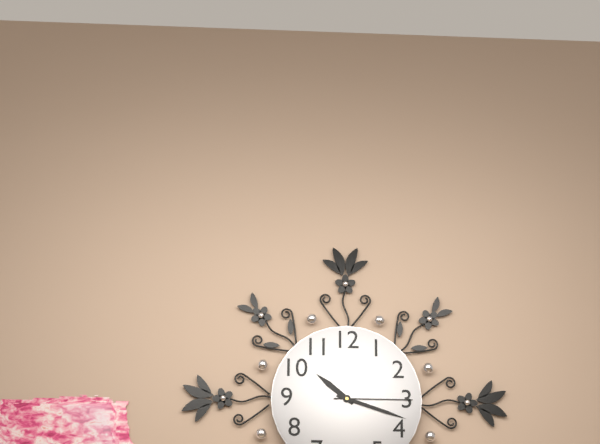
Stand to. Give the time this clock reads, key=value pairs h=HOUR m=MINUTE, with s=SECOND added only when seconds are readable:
h=10 m=18 s=15
